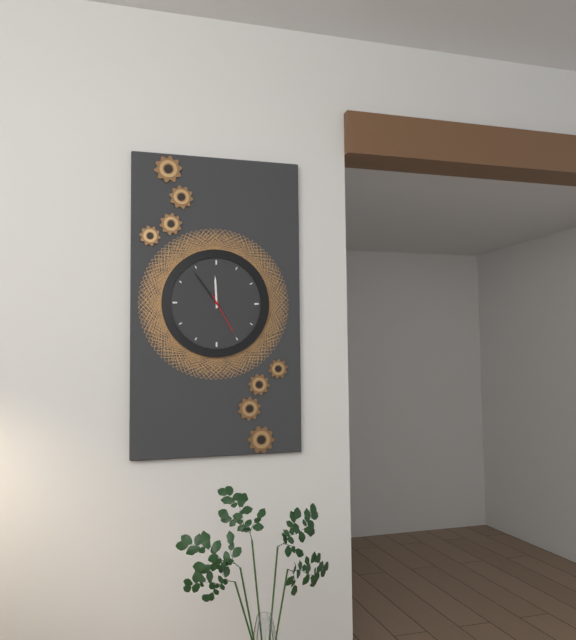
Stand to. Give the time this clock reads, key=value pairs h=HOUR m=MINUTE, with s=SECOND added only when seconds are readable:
h=11 m=54
